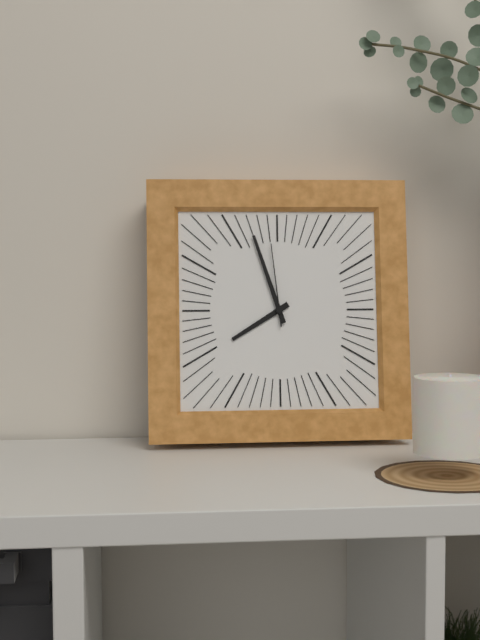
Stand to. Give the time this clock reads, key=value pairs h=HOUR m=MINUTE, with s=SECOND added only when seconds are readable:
h=7 m=57 s=59
